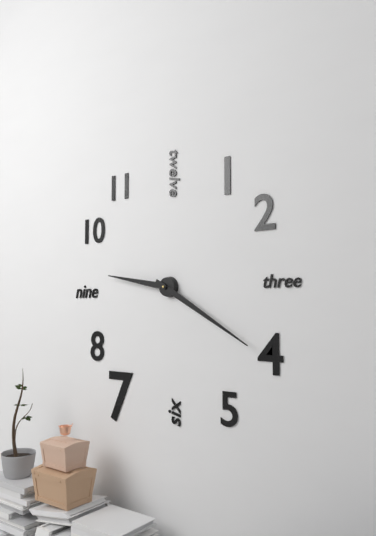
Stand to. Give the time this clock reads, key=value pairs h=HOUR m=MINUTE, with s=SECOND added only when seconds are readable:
h=9 m=20
